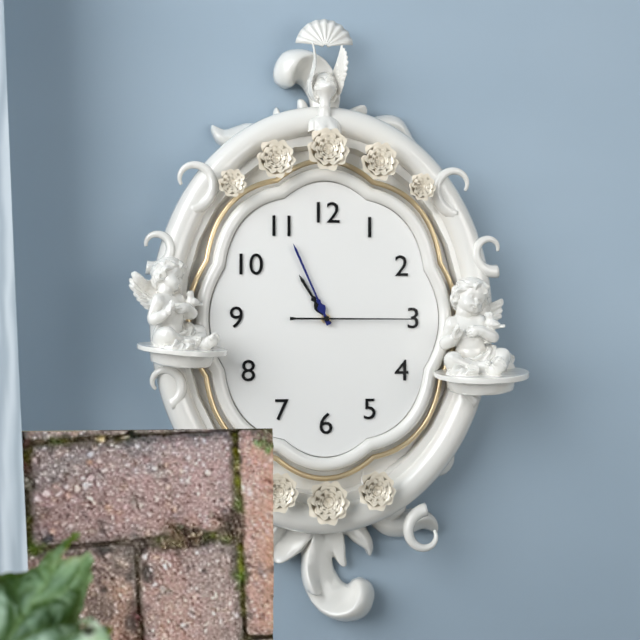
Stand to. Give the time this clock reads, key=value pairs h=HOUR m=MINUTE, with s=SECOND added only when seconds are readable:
h=10 m=56 s=15
